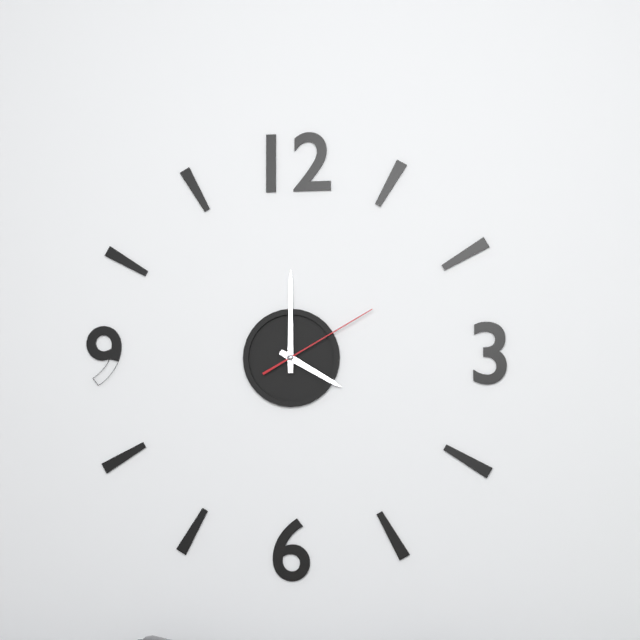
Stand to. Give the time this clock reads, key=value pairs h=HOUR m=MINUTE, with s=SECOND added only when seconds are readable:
h=4 m=0 s=10
